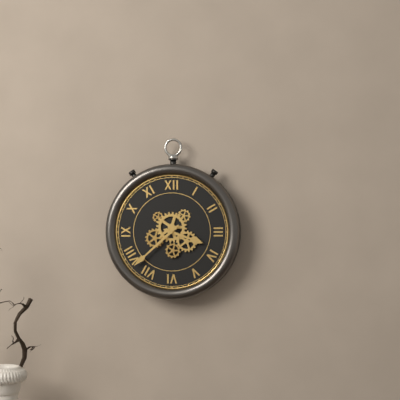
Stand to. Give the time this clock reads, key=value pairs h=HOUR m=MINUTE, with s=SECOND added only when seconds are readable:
h=3 m=38
